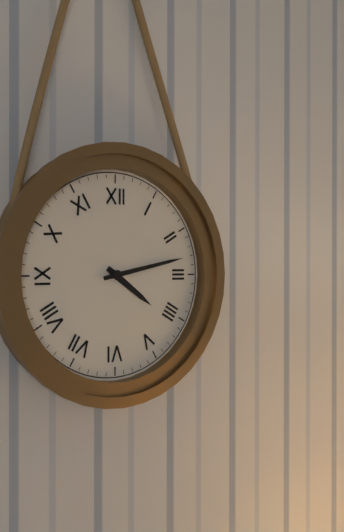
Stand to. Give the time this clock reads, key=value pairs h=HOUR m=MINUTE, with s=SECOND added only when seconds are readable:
h=4 m=13
